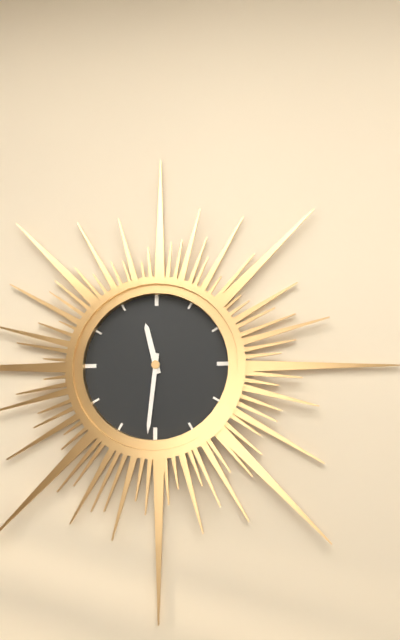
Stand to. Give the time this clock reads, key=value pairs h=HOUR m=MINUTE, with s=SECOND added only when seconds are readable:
h=11 m=31
